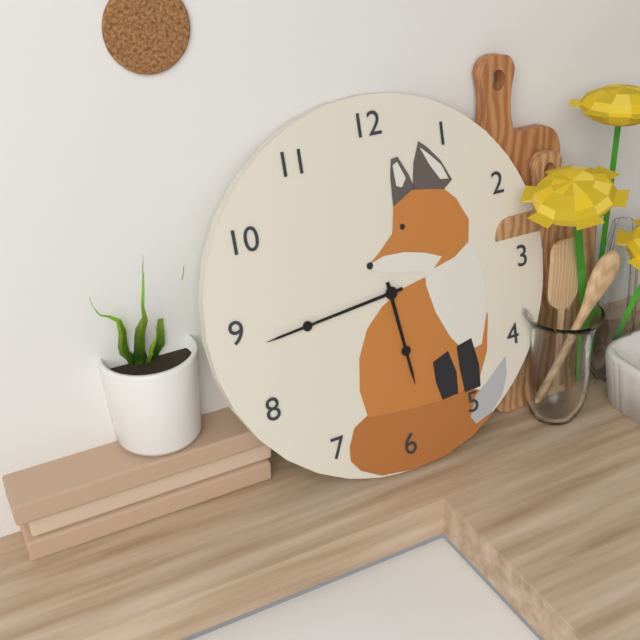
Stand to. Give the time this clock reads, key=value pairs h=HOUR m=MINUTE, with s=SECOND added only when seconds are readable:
h=5 m=44
